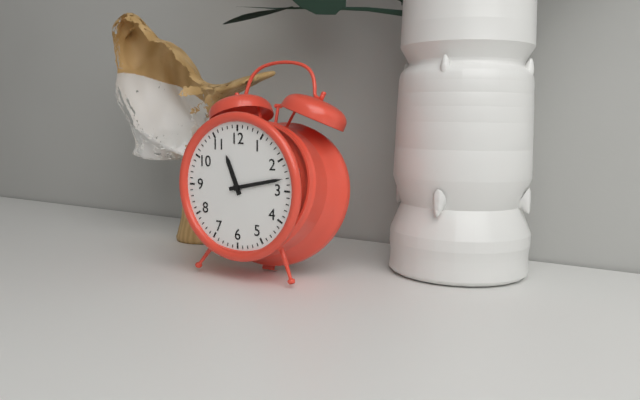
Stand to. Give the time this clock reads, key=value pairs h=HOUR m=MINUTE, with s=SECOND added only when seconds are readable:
h=11 m=13
